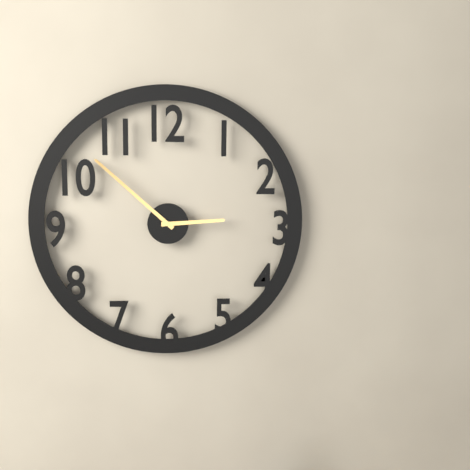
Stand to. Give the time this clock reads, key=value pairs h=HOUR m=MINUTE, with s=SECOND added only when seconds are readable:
h=2 m=52
